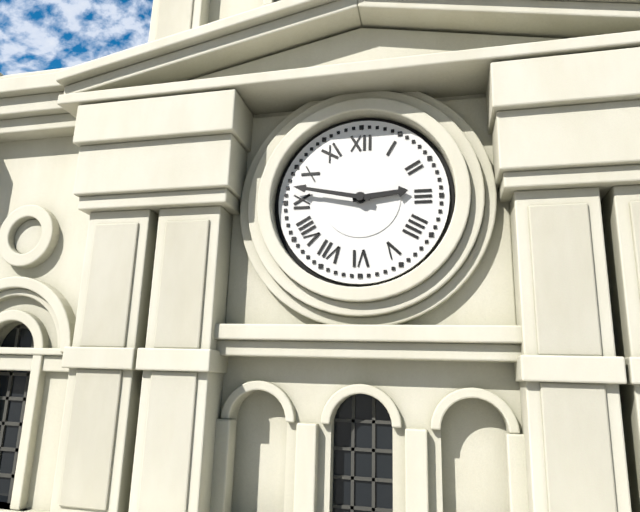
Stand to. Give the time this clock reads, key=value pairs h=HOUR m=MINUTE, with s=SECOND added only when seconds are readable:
h=2 m=47
